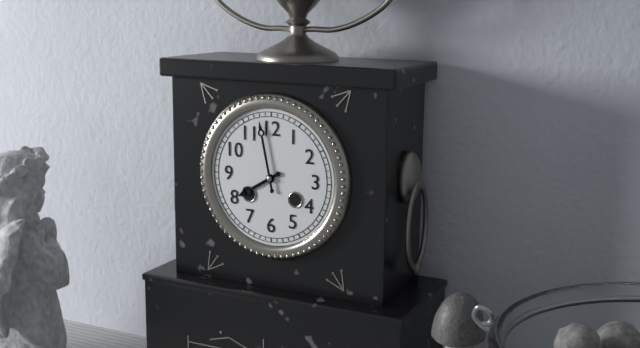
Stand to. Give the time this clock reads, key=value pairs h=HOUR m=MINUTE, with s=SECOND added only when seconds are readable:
h=7 m=58
